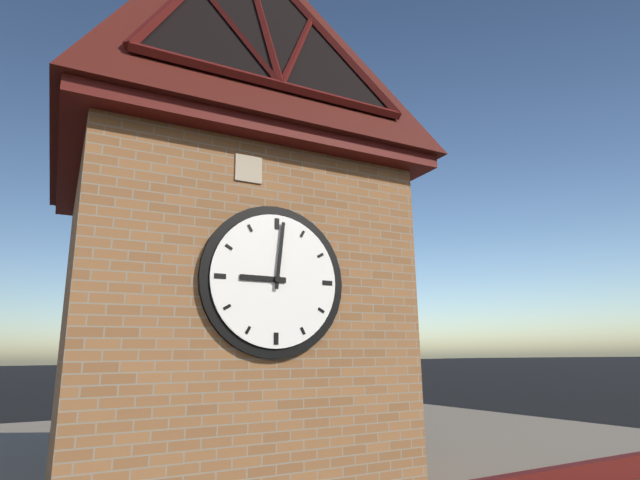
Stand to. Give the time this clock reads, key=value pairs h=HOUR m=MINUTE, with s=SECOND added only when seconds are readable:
h=9 m=1
